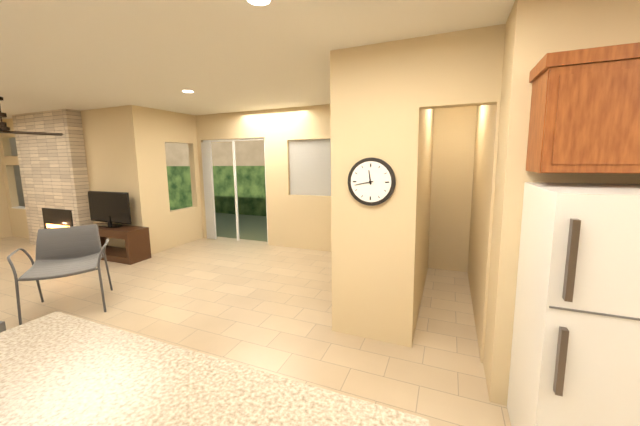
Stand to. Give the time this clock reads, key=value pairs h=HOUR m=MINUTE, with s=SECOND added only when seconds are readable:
h=11 m=43
